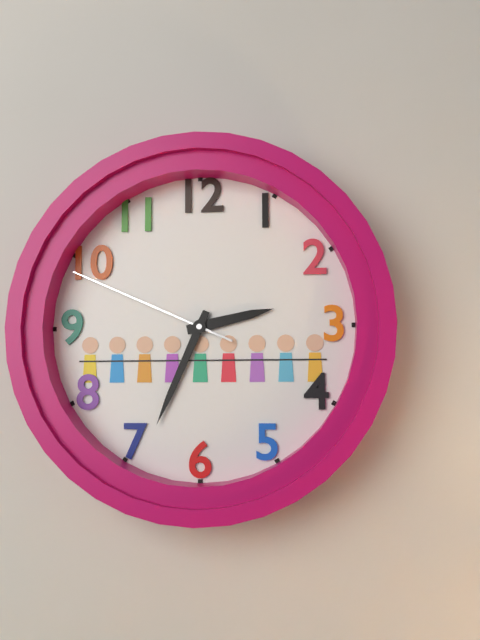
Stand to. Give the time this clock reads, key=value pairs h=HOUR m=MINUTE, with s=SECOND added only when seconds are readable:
h=2 m=34 s=49
